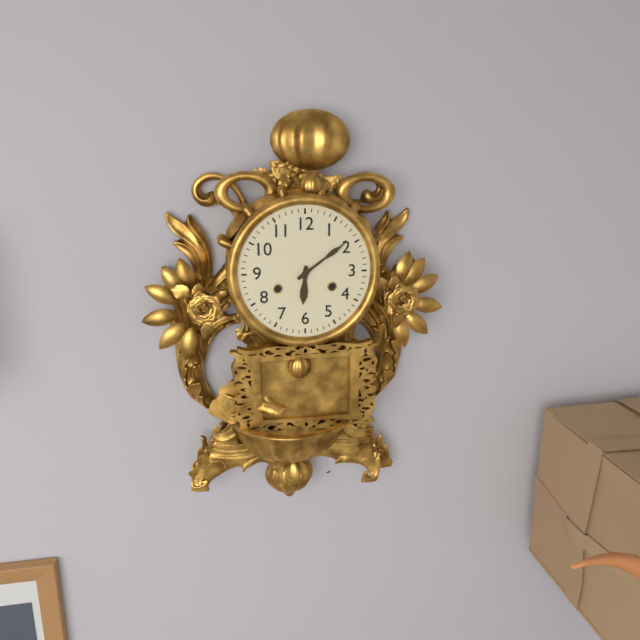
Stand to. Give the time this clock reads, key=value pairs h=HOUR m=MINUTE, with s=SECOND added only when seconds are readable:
h=6 m=9
